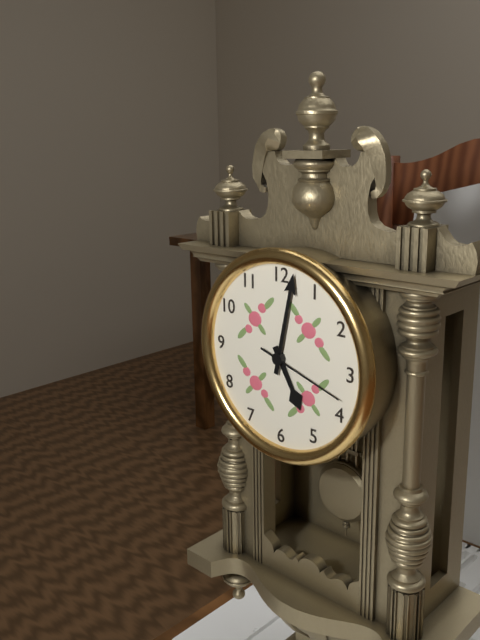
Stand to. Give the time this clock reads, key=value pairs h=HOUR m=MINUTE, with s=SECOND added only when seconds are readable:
h=5 m=2 s=18
